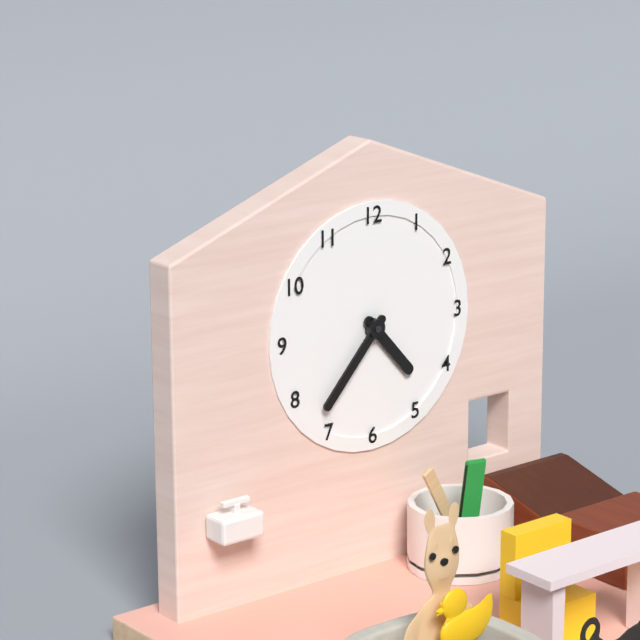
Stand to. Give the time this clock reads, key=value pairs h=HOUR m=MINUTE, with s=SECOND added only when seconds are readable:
h=4 m=37
